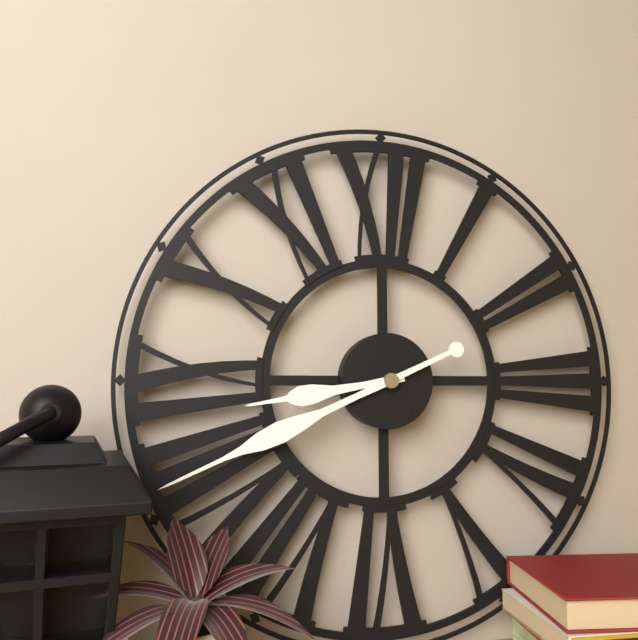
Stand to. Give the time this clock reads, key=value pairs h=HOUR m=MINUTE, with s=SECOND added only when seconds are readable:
h=8 m=41
